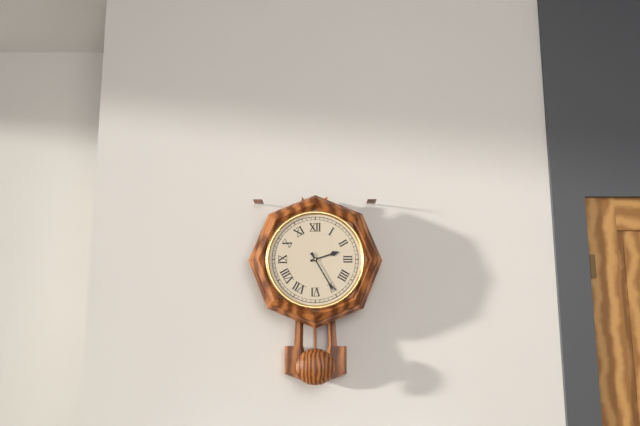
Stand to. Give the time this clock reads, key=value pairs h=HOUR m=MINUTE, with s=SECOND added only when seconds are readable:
h=2 m=25
